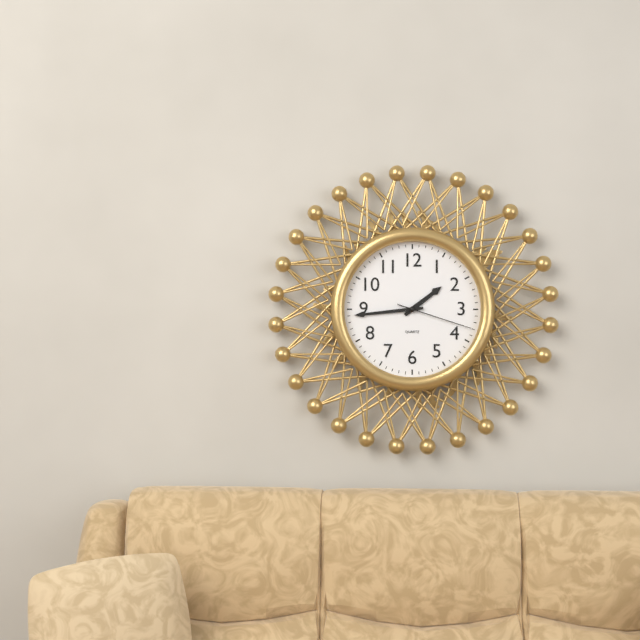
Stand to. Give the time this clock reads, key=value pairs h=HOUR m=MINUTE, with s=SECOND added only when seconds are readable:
h=1 m=44 s=18
